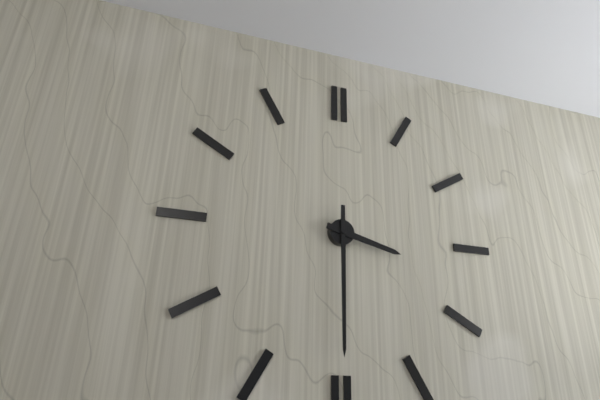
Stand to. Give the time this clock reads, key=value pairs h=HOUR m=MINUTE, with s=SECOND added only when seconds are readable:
h=3 m=30
